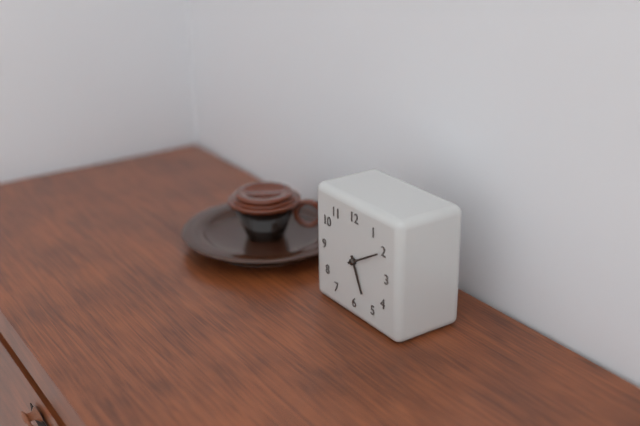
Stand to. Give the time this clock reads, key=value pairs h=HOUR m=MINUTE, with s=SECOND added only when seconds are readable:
h=5 m=10
